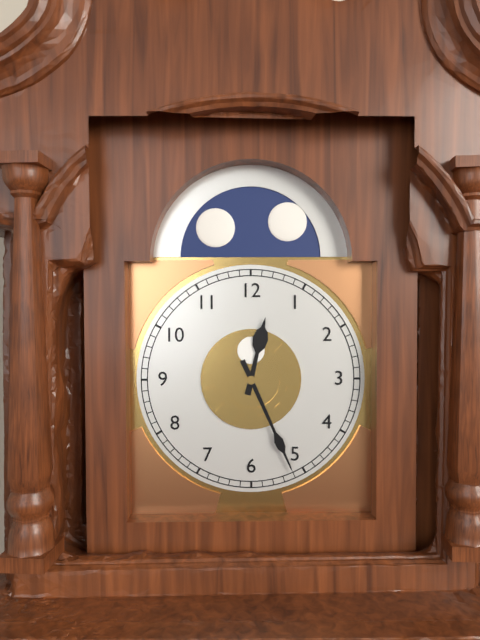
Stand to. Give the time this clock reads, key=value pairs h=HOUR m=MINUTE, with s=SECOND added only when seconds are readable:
h=12 m=26
